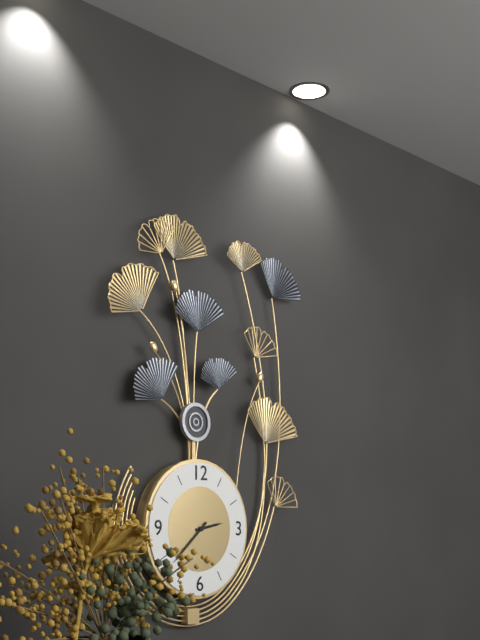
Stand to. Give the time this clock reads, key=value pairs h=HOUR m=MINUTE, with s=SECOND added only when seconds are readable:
h=2 m=38
